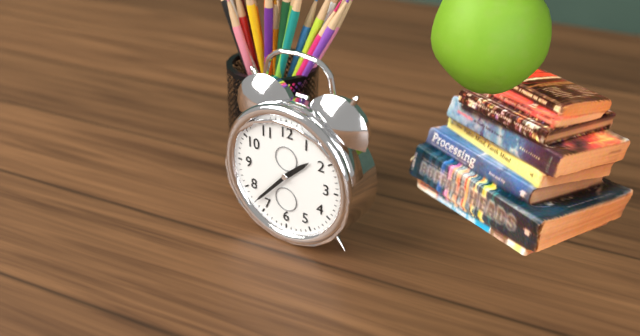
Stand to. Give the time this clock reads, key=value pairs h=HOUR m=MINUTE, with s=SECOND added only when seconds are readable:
h=1 m=37
